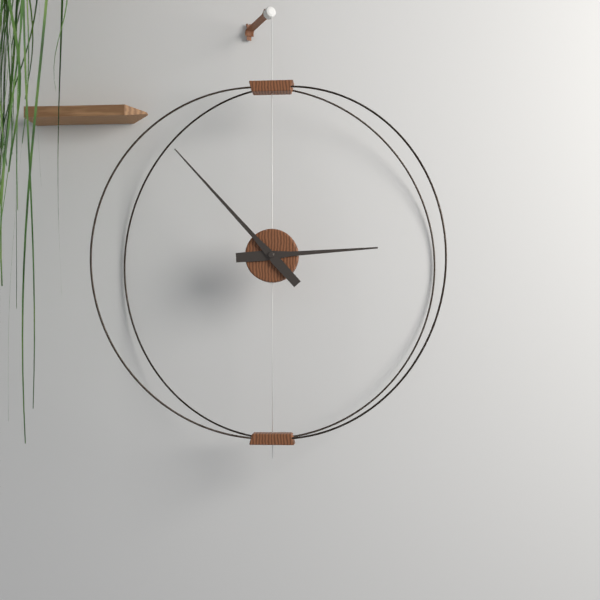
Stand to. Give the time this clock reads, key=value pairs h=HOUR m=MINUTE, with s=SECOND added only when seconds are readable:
h=2 m=53
